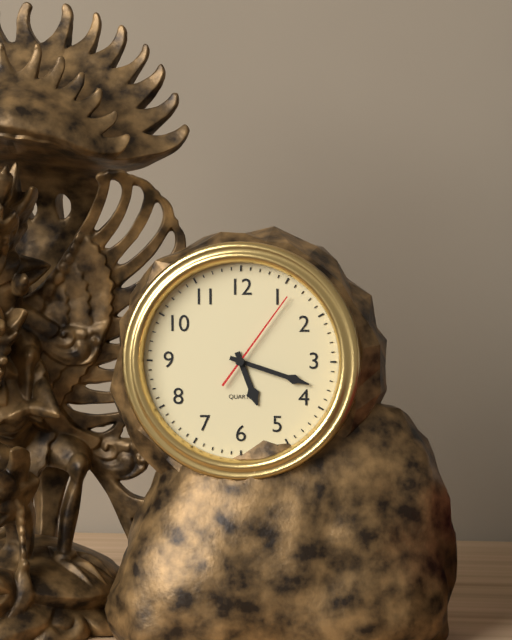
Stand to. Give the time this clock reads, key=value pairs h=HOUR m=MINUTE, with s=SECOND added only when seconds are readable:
h=5 m=18 s=6
